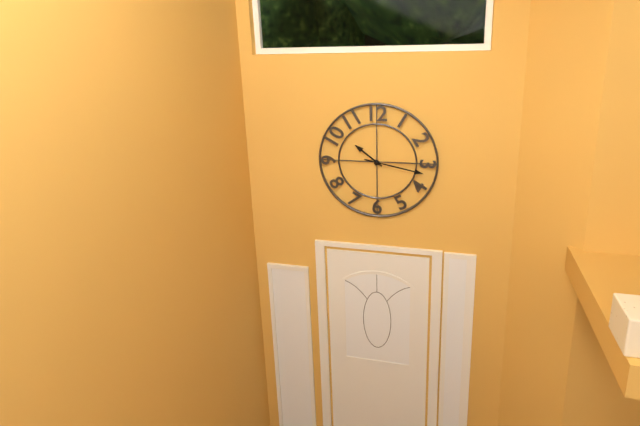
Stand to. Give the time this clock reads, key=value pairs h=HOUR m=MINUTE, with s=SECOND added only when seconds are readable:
h=10 m=17
